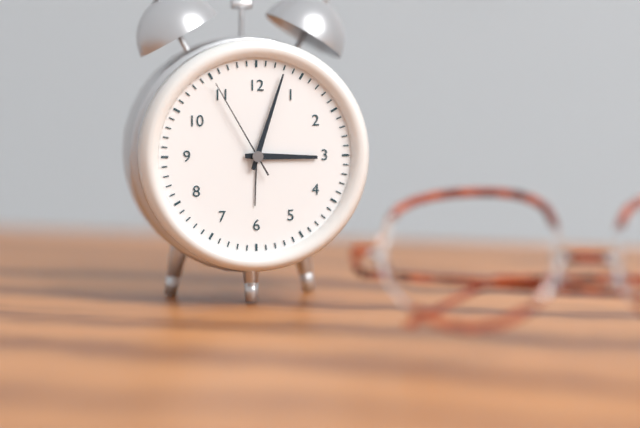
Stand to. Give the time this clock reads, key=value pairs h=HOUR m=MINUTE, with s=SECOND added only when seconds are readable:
h=3 m=3 s=55
